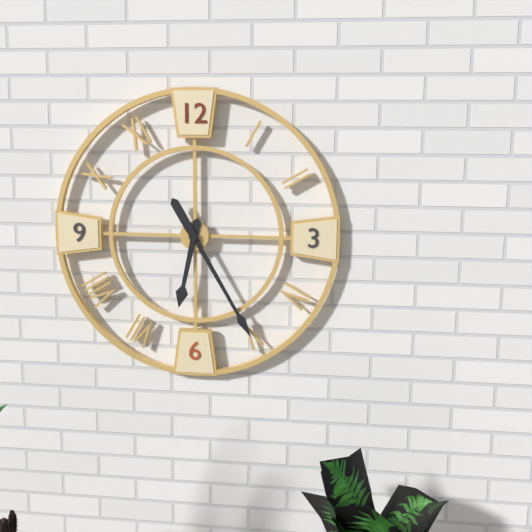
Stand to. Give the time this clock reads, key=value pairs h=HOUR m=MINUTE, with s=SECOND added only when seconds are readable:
h=6 m=25
